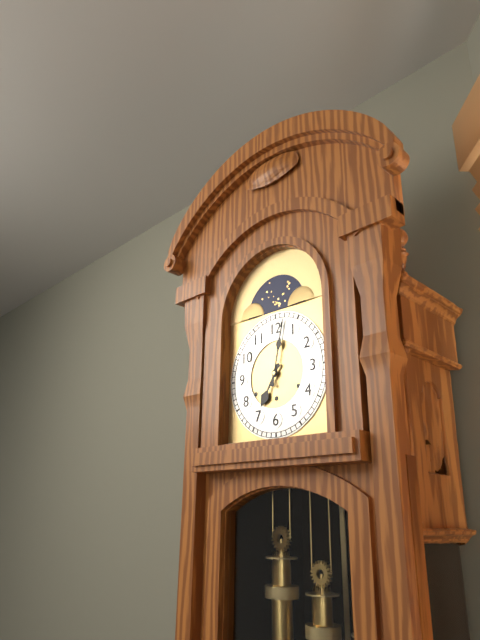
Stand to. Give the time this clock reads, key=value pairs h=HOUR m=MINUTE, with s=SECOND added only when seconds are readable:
h=7 m=2
